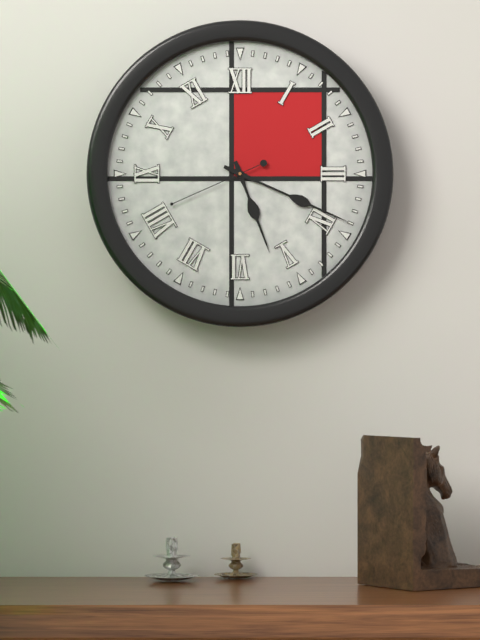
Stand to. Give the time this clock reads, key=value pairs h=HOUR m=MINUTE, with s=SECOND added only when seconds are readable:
h=5 m=19 s=41
